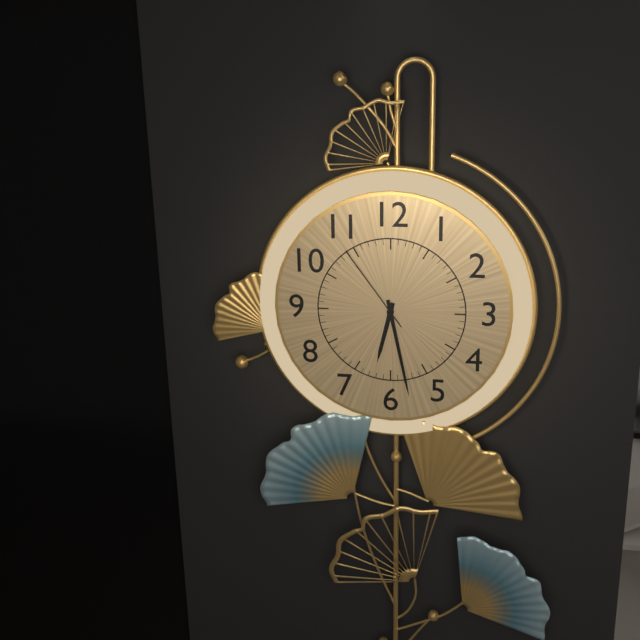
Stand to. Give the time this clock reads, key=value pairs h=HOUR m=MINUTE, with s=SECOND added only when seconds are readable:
h=6 m=28 s=54
